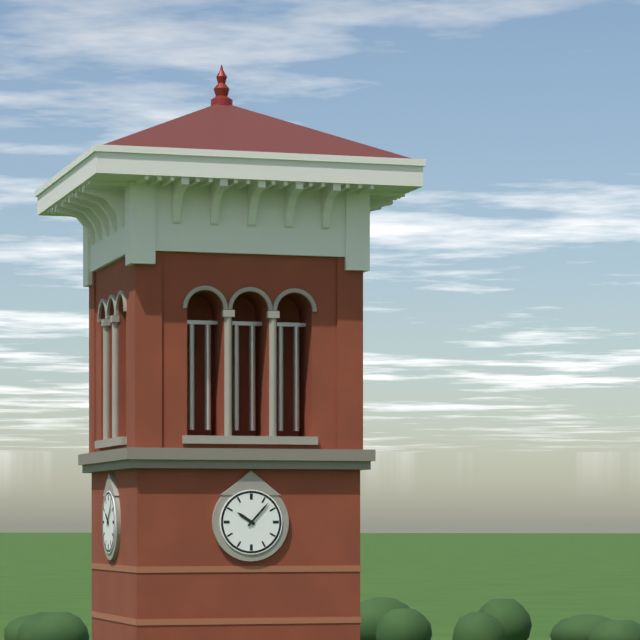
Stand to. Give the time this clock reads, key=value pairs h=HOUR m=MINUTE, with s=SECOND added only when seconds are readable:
h=10 m=7
